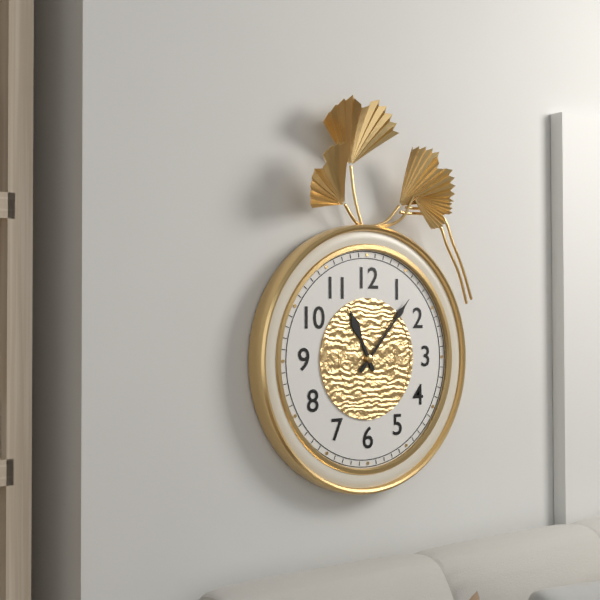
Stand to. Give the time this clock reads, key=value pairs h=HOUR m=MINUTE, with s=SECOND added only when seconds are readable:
h=11 m=7
